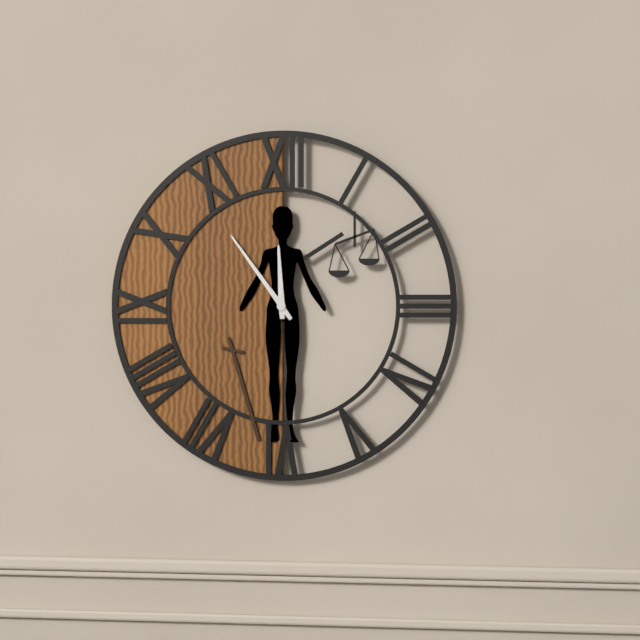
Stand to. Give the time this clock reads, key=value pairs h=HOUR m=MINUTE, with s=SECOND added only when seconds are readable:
h=11 m=54
